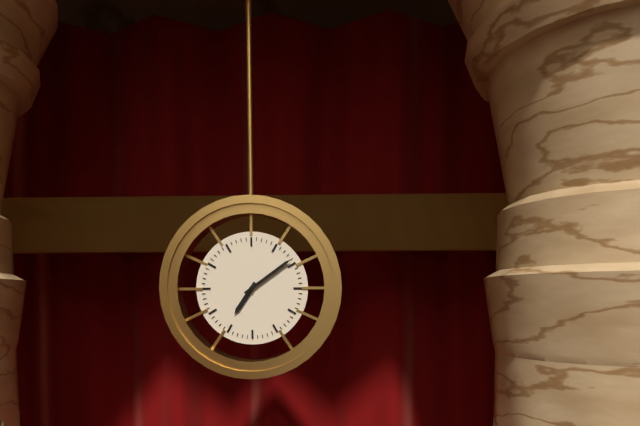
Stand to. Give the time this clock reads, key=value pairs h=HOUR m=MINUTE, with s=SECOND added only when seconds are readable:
h=7 m=9
